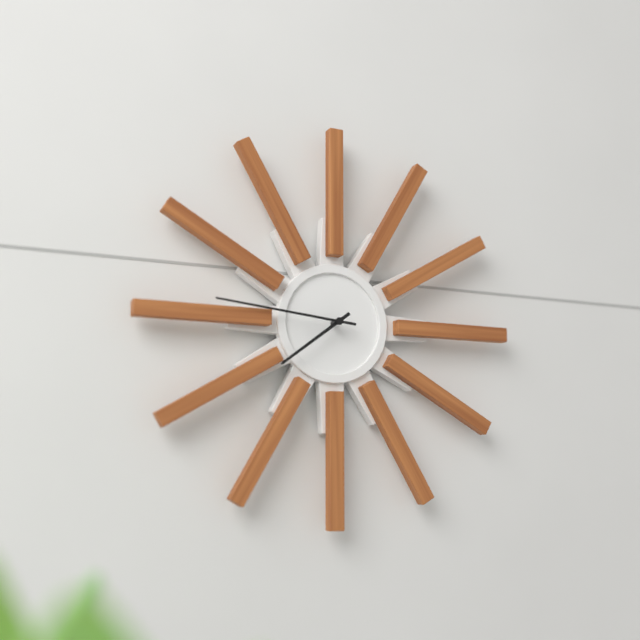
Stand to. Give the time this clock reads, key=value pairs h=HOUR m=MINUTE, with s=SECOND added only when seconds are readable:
h=7 m=46
